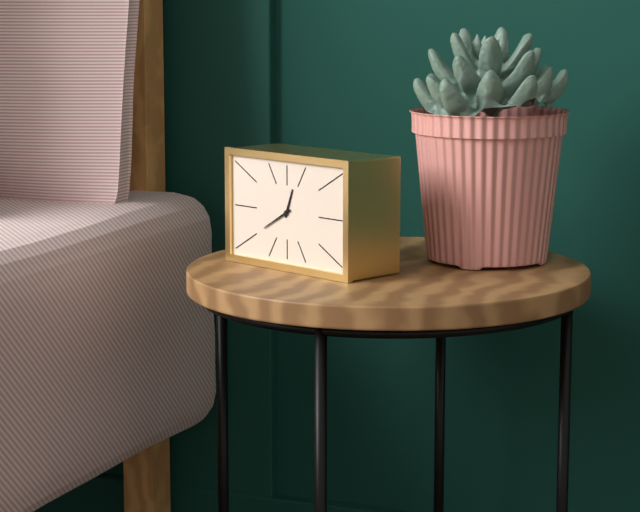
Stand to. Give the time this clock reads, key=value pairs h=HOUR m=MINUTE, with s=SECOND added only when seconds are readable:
h=12 m=40
